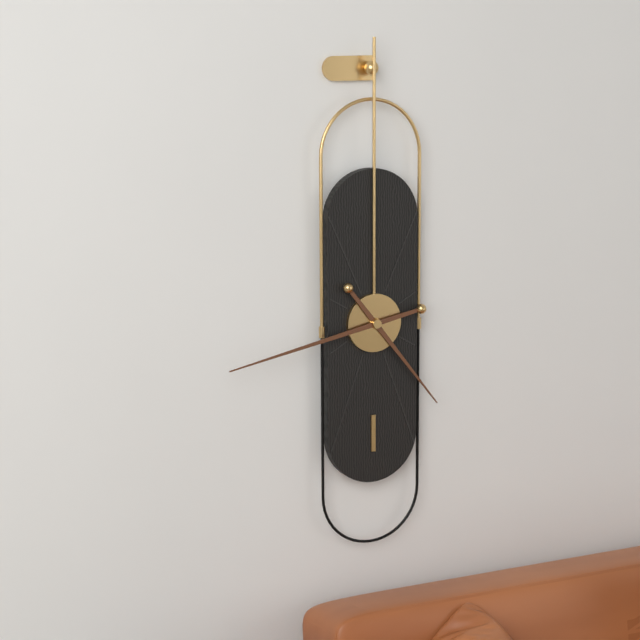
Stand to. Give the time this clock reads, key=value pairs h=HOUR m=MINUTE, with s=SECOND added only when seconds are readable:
h=4 m=43
